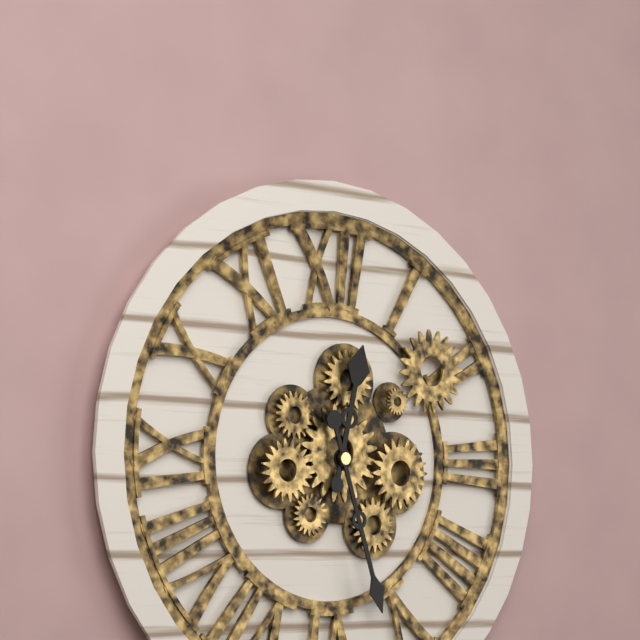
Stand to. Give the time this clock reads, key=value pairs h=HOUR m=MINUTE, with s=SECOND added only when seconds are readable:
h=12 m=27
